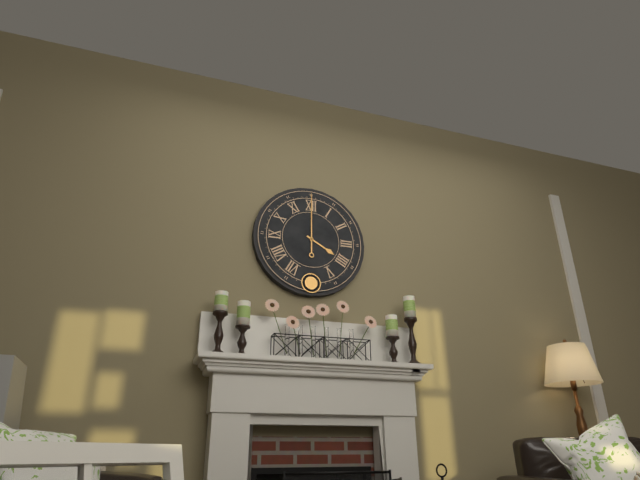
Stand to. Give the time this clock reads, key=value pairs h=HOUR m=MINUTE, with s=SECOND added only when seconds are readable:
h=4 m=0
